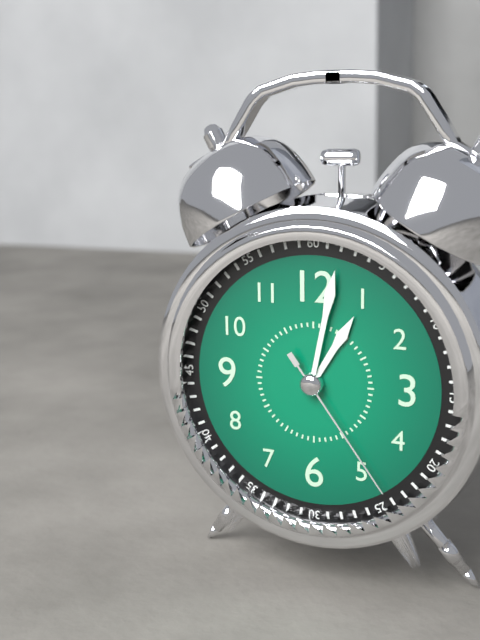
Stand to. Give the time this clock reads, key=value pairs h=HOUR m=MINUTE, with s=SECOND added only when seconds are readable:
h=1 m=2 s=24
